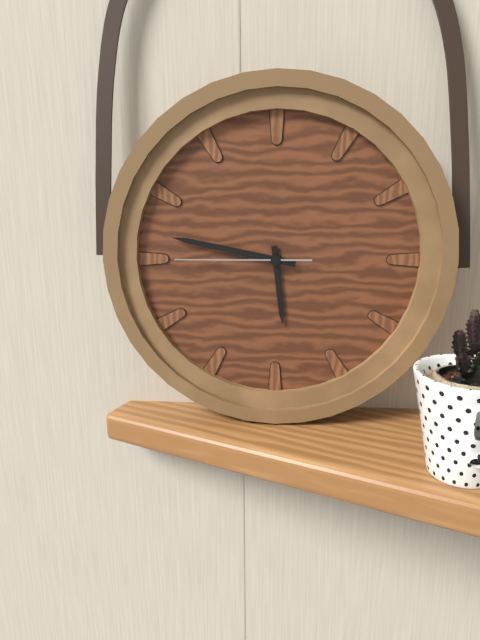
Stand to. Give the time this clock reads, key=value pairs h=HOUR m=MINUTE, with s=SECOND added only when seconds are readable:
h=5 m=47 s=45
